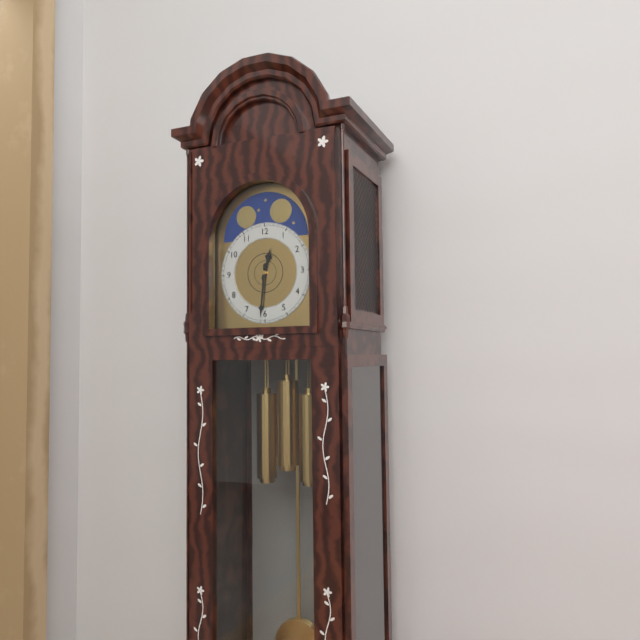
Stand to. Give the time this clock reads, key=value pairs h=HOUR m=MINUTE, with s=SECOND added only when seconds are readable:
h=12 m=31
